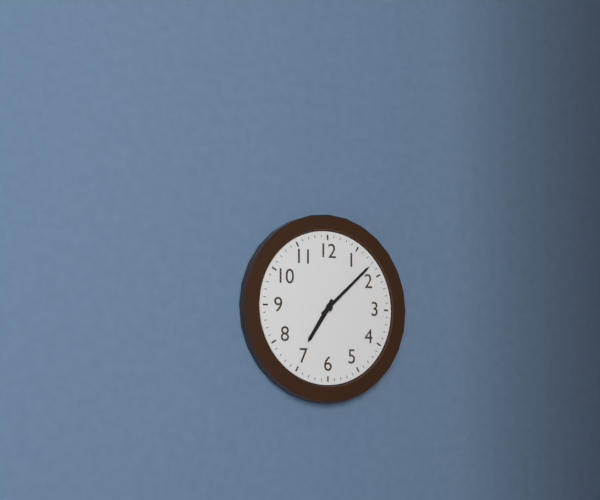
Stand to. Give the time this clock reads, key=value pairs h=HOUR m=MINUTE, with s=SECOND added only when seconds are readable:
h=7 m=8
